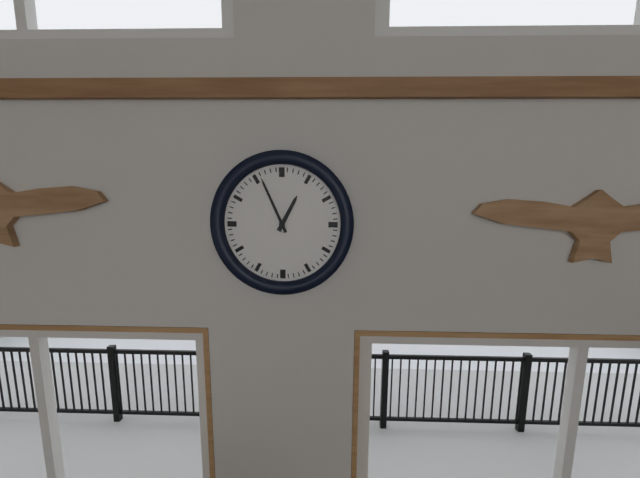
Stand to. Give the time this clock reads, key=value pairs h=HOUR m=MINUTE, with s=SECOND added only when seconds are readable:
h=12 m=56
